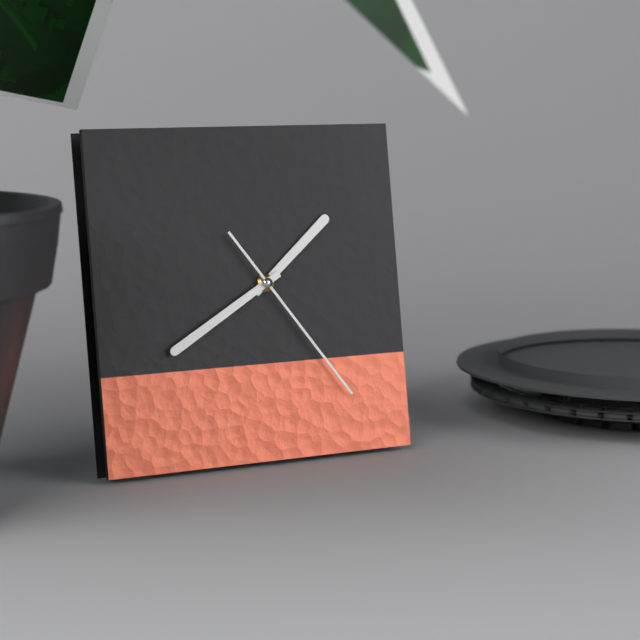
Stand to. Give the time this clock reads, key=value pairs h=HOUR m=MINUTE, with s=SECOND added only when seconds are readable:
h=1 m=40 s=24
